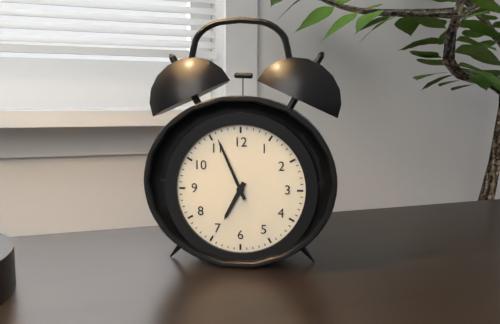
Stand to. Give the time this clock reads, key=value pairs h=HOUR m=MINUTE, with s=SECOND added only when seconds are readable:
h=6 m=56
